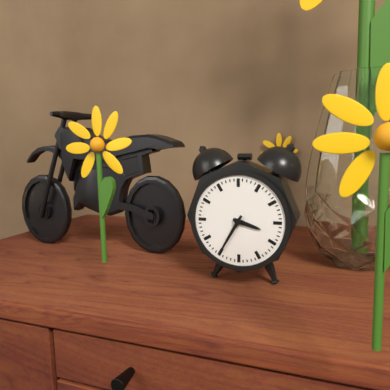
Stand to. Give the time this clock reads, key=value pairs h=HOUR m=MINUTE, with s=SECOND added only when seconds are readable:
h=3 m=35
